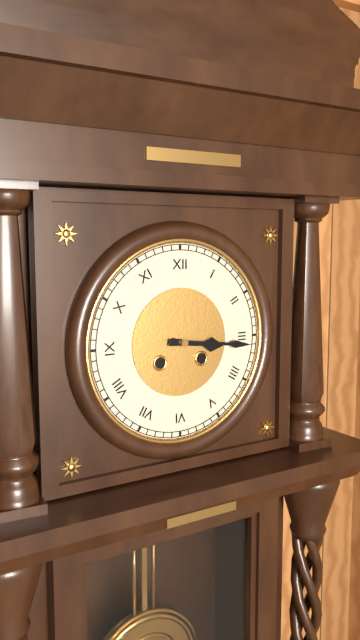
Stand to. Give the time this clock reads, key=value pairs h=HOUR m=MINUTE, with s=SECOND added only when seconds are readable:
h=3 m=16
